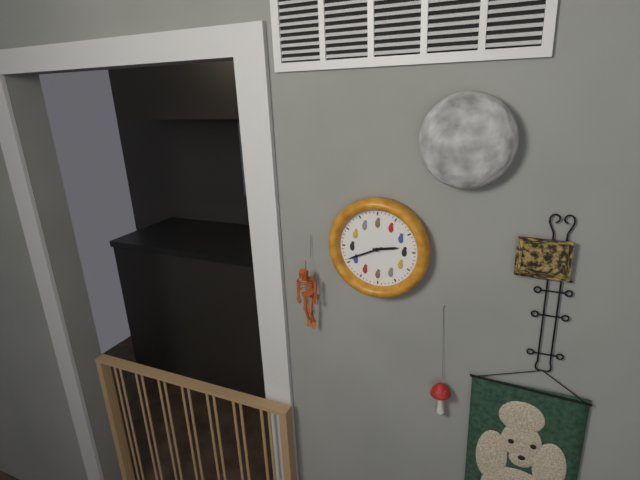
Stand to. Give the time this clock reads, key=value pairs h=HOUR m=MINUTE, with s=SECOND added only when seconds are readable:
h=2 m=41
